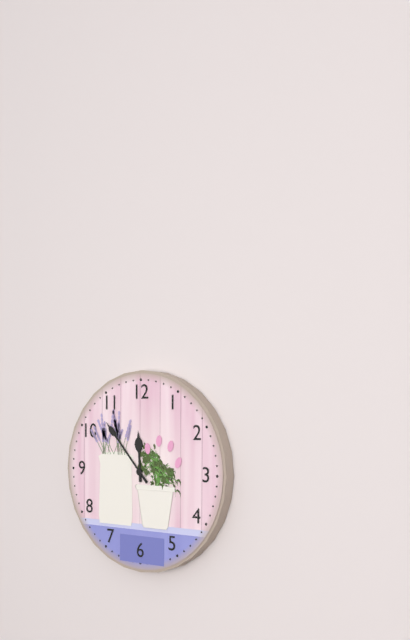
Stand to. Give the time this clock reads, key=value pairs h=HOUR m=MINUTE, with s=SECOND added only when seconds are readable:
h=11 m=53
